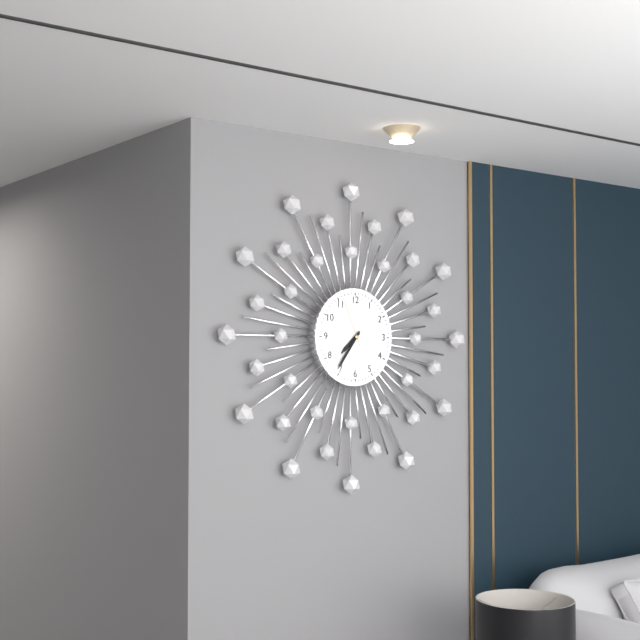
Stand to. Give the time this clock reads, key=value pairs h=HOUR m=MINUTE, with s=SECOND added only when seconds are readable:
h=7 m=36 s=56
